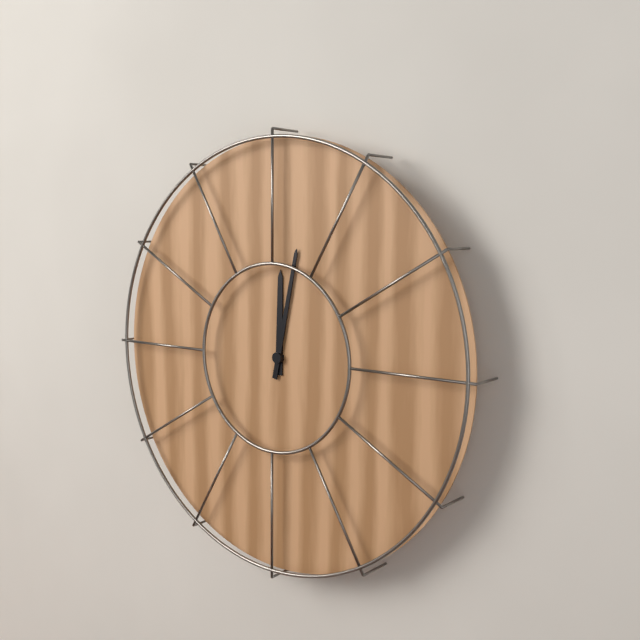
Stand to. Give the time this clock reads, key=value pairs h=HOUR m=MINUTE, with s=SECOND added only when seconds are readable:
h=12 m=2
